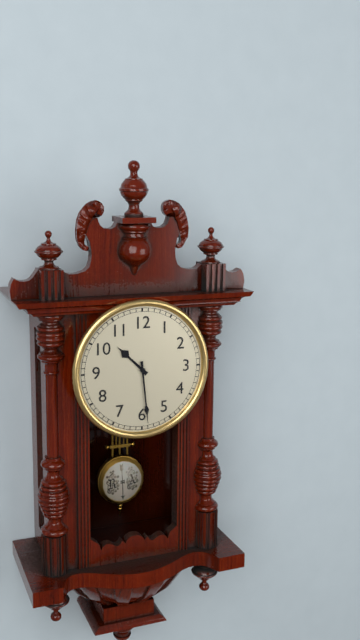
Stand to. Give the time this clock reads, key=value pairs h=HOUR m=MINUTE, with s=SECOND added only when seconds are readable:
h=10 m=29
